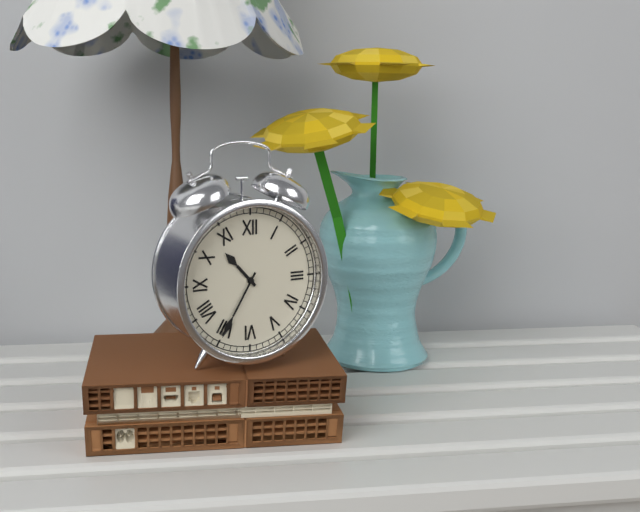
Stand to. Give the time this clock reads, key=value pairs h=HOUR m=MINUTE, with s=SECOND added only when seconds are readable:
h=10 m=35
